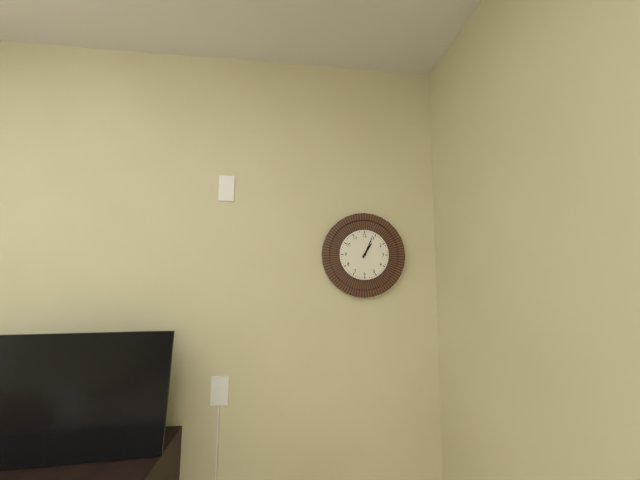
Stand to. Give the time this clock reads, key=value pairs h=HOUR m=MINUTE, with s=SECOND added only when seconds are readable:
h=1 m=4
